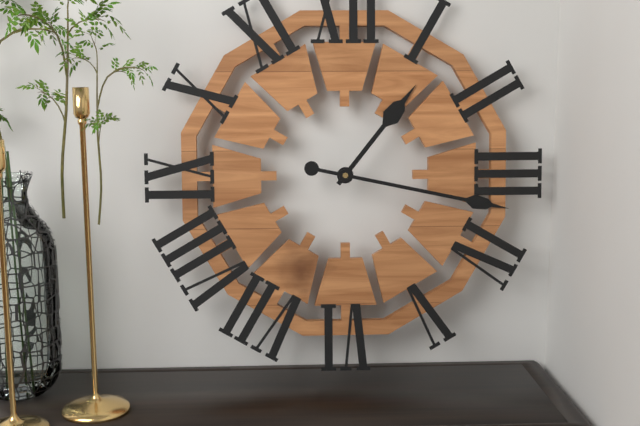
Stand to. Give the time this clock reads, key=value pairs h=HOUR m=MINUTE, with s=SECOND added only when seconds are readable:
h=1 m=17
